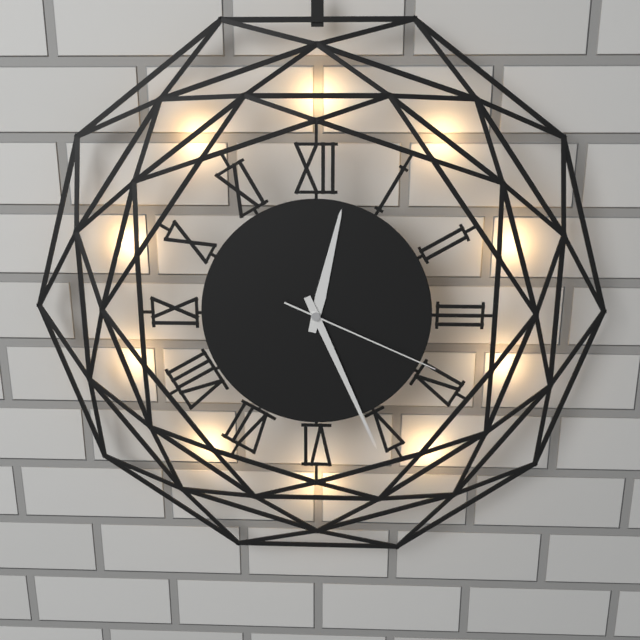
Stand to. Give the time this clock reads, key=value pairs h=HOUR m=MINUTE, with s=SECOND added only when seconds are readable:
h=12 m=26 s=19
